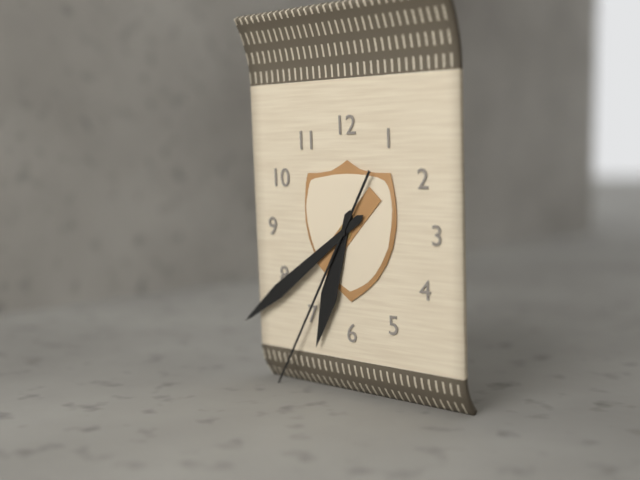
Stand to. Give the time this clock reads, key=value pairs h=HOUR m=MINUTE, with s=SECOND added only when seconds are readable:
h=6 m=39 s=35
